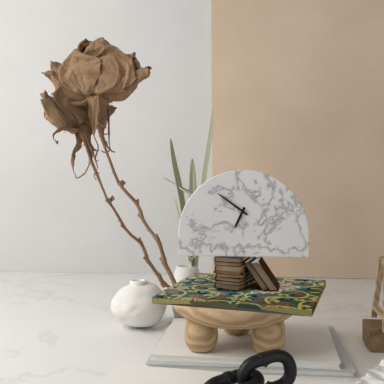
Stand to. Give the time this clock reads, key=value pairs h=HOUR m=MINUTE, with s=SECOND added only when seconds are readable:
h=6 m=51
